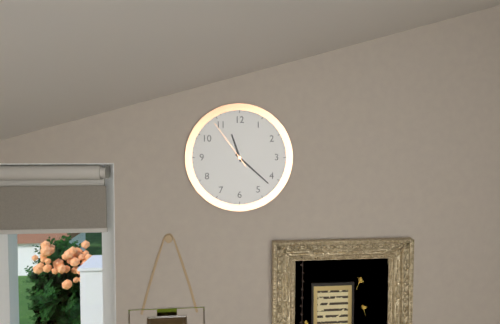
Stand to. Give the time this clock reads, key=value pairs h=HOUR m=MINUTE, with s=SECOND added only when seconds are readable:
h=11 m=22 s=54
